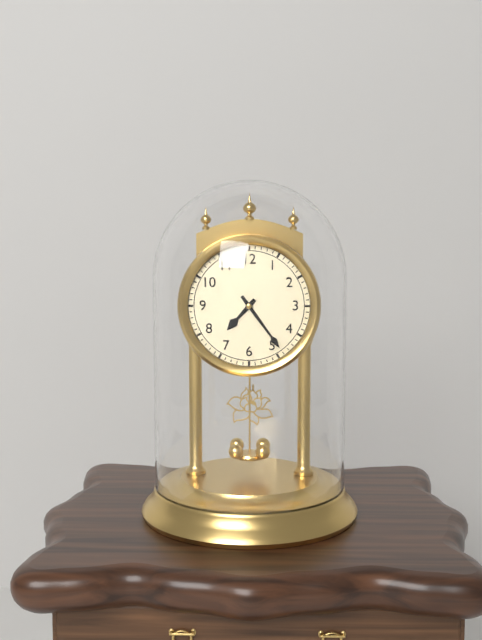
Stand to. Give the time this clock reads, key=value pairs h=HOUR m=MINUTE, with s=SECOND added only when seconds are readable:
h=7 m=24
